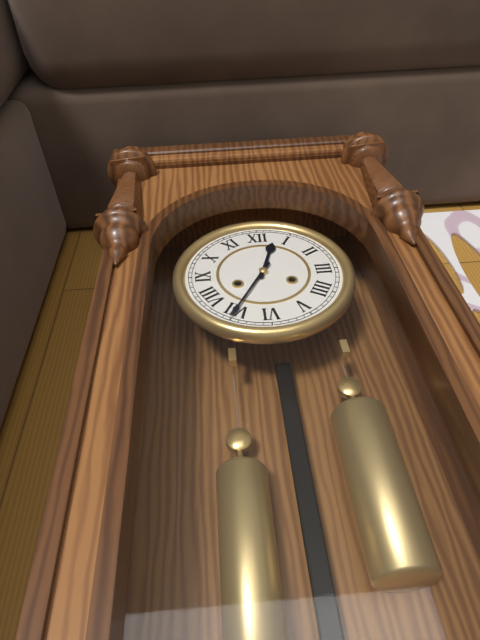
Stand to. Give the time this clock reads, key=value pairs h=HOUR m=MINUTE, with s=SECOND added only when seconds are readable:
h=12 m=35
